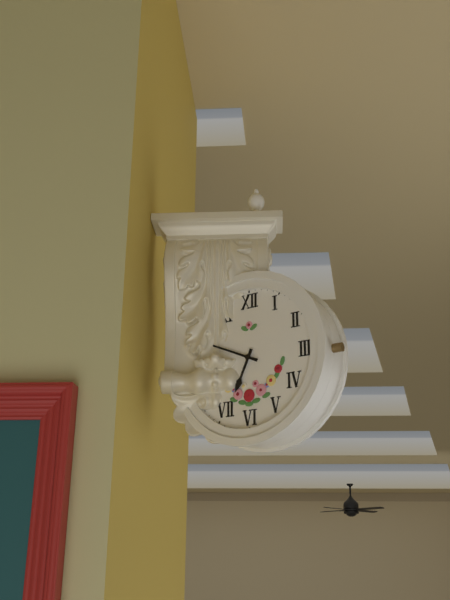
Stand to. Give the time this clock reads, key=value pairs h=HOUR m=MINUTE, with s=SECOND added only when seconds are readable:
h=6 m=49
